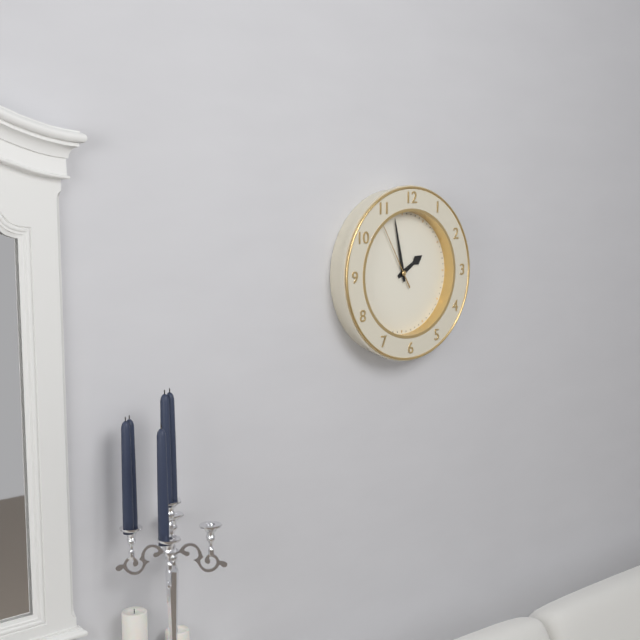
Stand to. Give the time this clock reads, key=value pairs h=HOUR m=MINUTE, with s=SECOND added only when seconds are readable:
h=1 m=58 s=55
